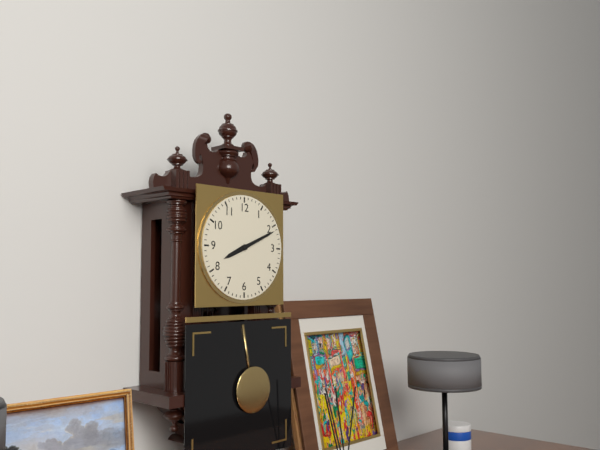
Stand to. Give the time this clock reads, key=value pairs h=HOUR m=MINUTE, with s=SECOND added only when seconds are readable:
h=8 m=11
